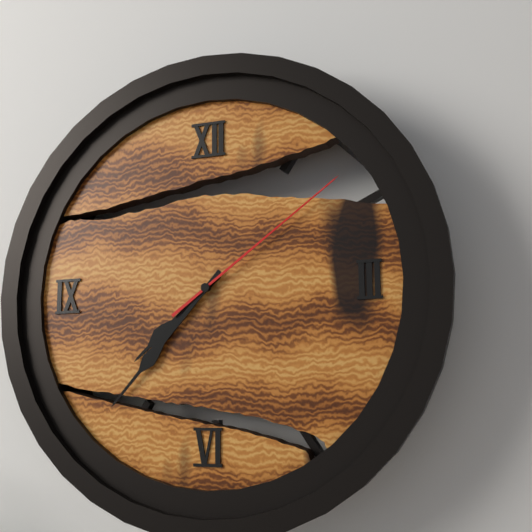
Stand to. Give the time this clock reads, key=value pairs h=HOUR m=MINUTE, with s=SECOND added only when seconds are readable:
h=7 m=37 s=9
